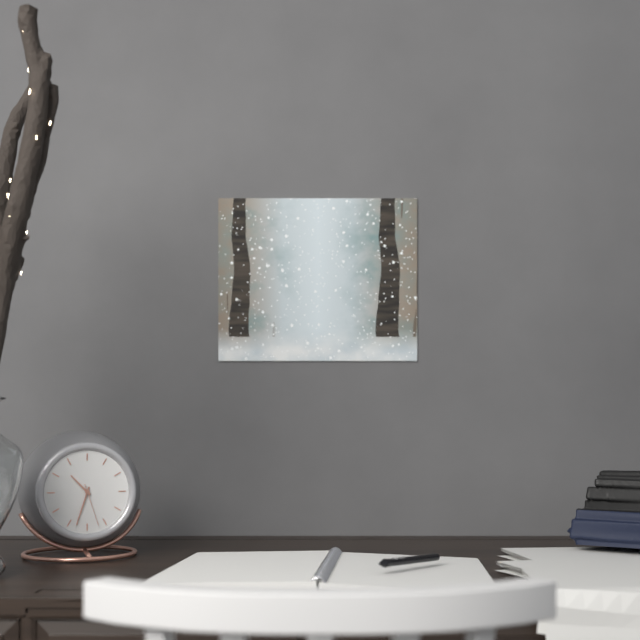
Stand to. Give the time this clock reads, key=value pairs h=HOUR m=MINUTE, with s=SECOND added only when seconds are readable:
h=10 m=33
